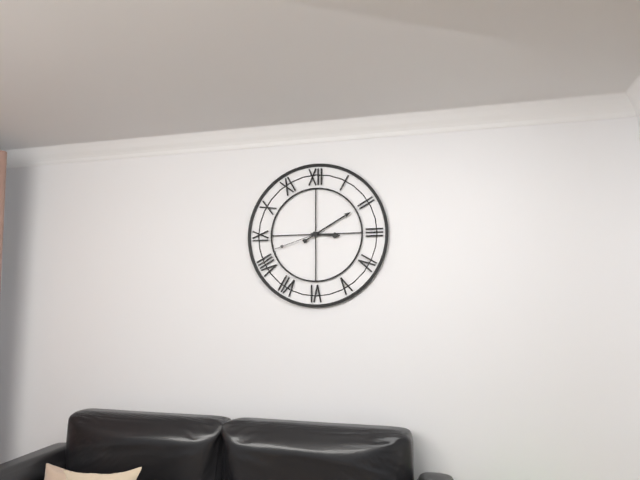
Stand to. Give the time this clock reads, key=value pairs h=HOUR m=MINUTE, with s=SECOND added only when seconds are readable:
h=3 m=10 s=42
